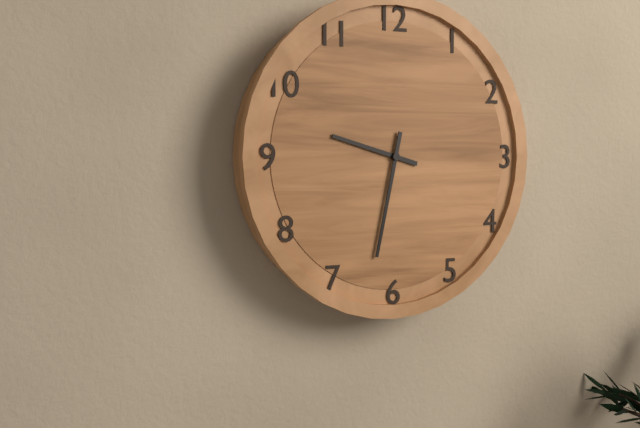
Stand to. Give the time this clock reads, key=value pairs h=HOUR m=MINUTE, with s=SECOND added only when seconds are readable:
h=9 m=32
